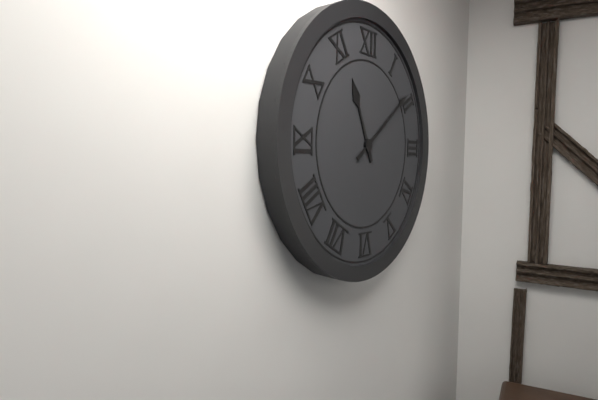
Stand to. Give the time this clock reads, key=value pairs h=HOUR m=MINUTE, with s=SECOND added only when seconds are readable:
h=11 m=9
